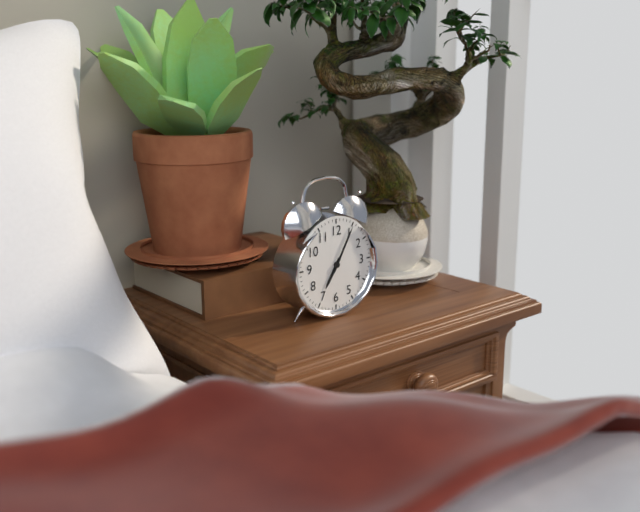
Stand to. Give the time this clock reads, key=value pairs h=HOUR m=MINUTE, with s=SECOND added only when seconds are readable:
h=7 m=5
